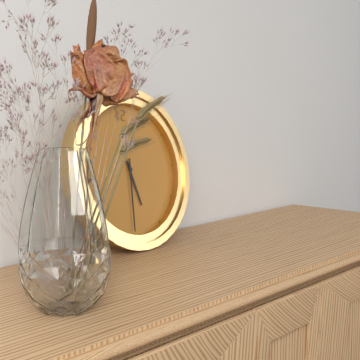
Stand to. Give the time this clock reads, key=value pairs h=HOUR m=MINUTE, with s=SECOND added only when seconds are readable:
h=5 m=31
